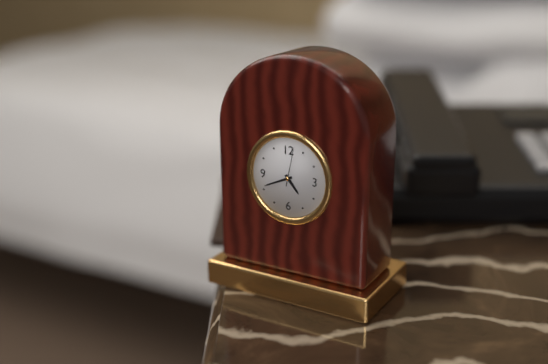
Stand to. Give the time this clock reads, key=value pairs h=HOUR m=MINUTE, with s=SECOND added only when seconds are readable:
h=4 m=41
